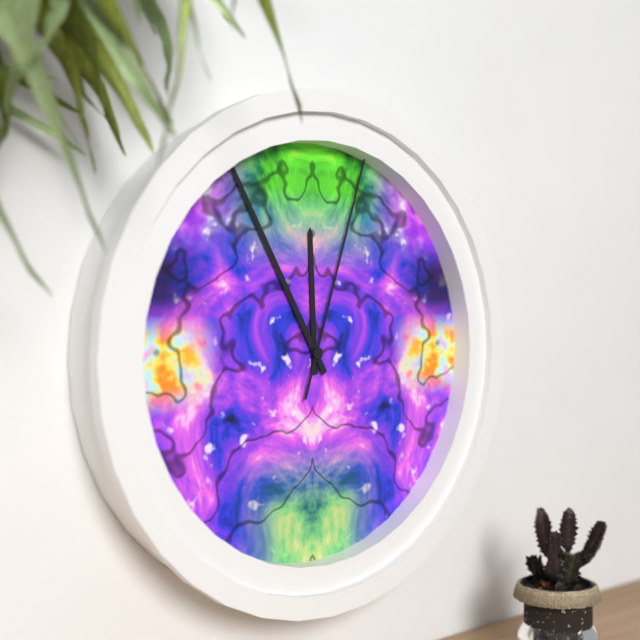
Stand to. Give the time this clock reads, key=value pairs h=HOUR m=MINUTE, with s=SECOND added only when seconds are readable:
h=11 m=55 s=3
